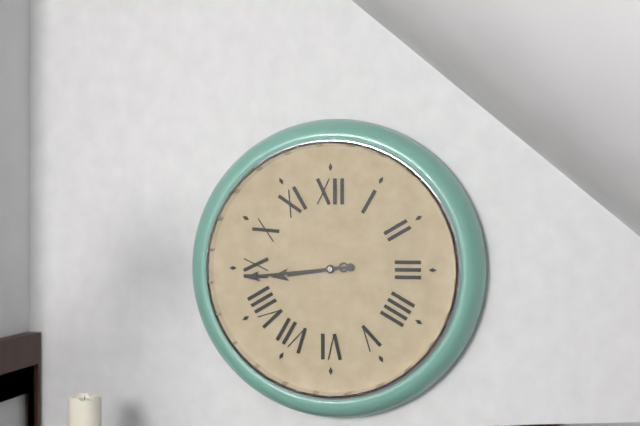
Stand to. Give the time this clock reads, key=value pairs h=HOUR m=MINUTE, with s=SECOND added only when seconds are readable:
h=8 m=44
